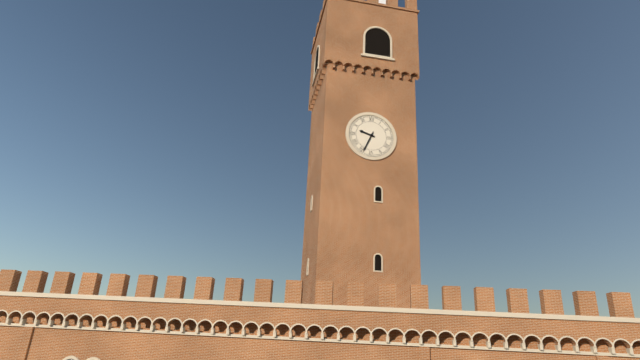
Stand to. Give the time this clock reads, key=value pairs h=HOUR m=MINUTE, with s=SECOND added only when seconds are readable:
h=9 m=34
